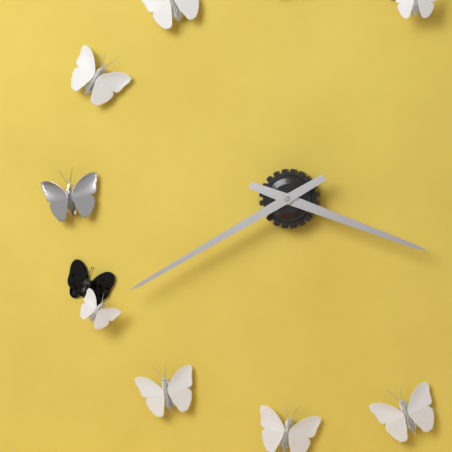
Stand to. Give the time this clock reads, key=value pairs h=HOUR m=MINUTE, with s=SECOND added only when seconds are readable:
h=3 m=40
